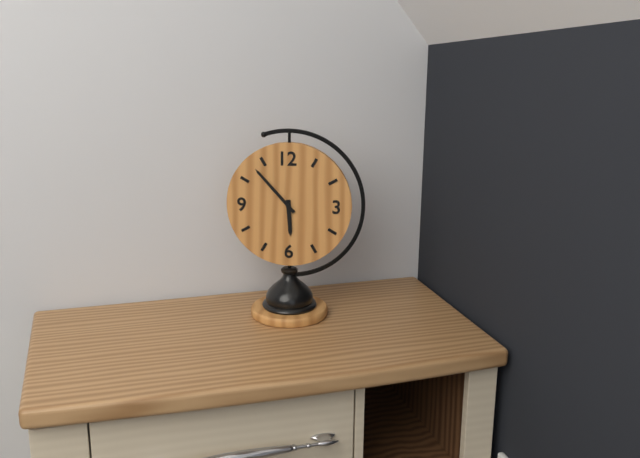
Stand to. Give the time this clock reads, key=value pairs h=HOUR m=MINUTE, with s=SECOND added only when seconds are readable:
h=5 m=53
